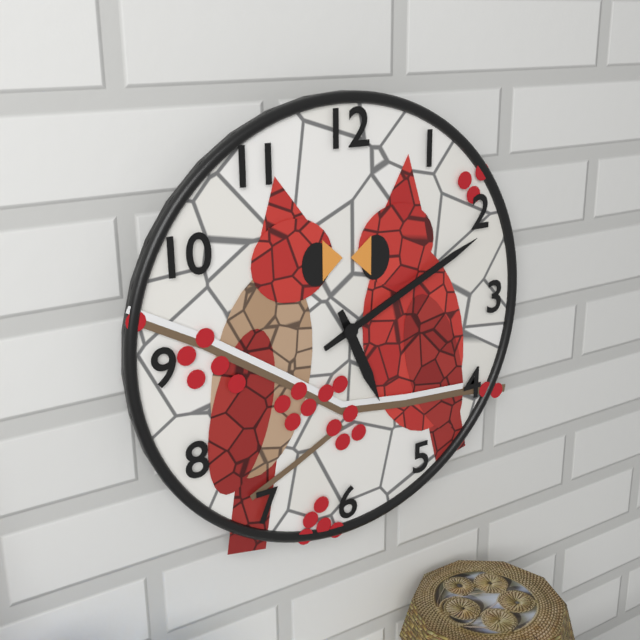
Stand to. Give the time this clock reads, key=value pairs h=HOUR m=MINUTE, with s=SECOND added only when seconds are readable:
h=5 m=11
